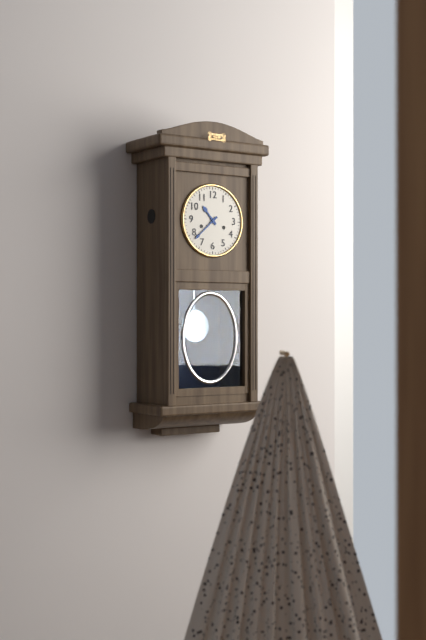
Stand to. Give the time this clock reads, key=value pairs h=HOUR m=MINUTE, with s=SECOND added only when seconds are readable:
h=10 m=38
